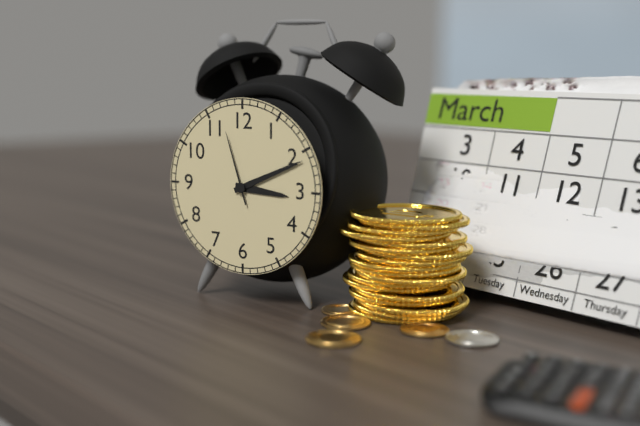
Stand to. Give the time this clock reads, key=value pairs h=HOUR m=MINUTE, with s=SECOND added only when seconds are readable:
h=3 m=11 s=57
